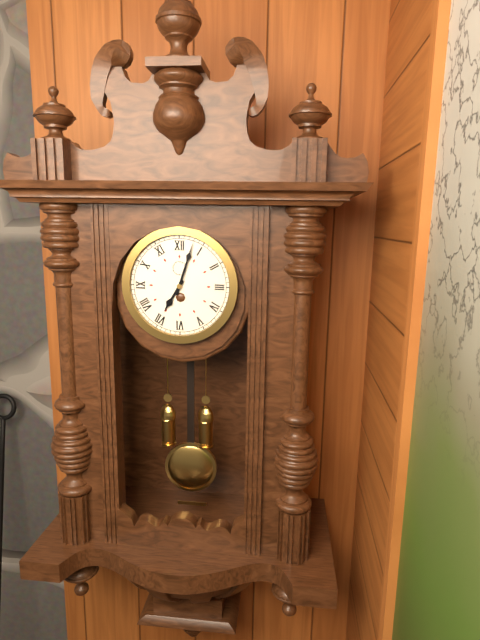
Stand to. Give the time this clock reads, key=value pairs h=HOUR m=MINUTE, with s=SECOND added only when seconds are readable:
h=7 m=3
